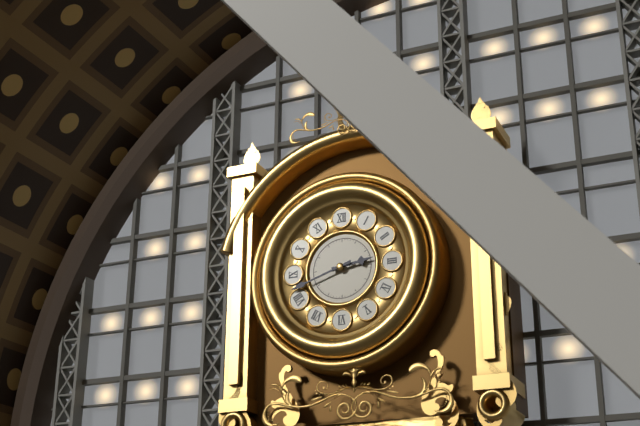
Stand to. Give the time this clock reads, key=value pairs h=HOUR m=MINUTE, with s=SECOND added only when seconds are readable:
h=2 m=42
